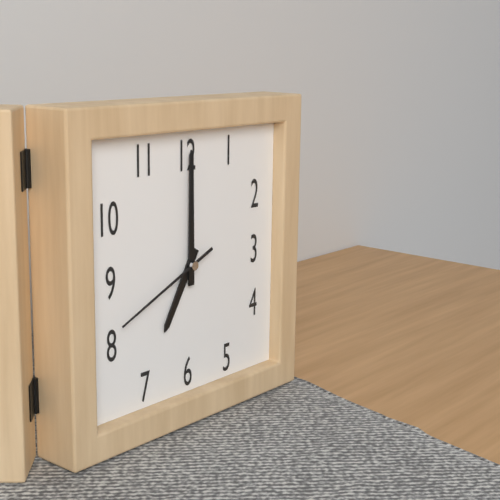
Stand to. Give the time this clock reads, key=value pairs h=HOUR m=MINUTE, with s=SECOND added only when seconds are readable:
h=7 m=0 s=41
